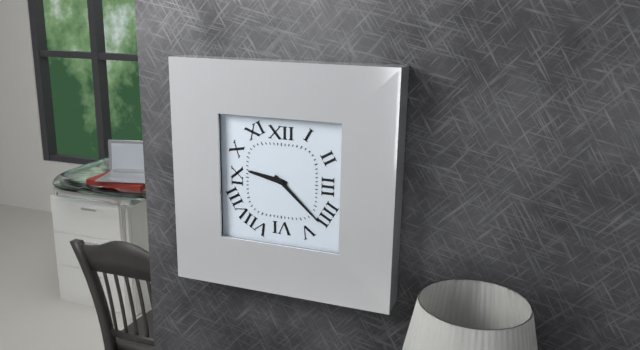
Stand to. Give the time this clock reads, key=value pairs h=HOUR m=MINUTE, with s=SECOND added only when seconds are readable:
h=9 m=22
